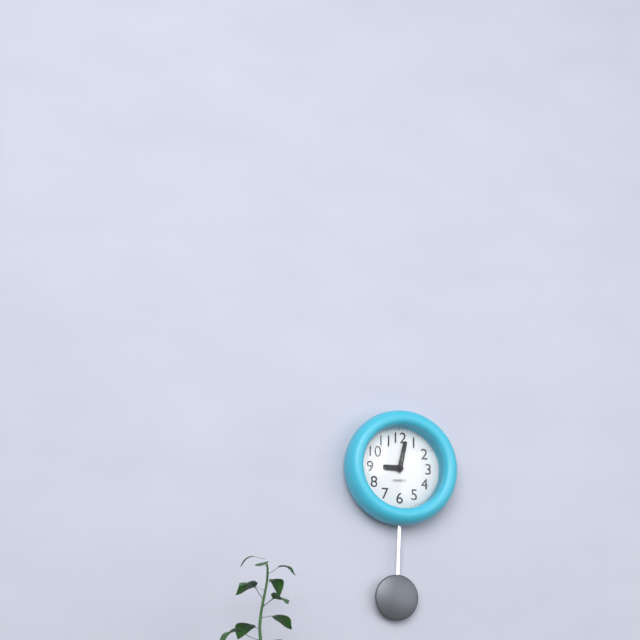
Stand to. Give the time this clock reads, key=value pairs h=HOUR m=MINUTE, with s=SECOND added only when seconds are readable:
h=9 m=2
